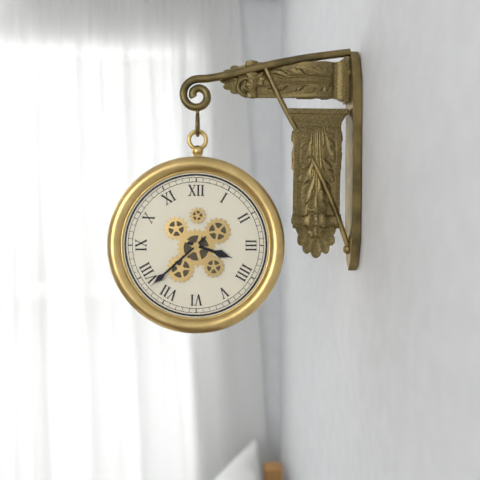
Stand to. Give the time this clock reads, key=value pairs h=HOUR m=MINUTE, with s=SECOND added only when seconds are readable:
h=3 m=38
